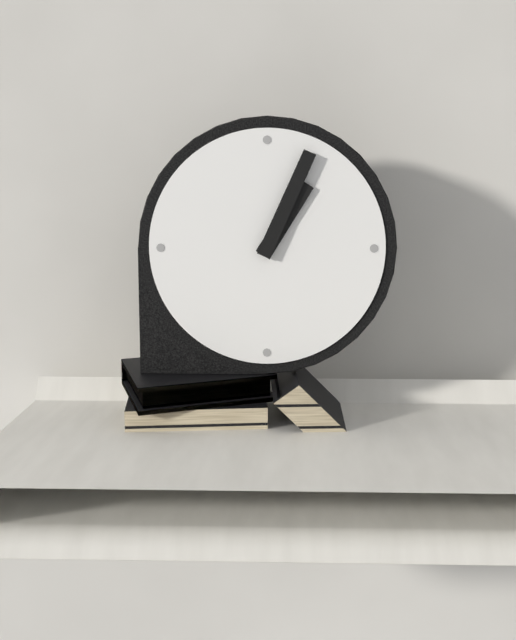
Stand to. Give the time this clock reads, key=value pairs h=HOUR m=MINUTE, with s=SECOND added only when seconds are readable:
h=1 m=4
